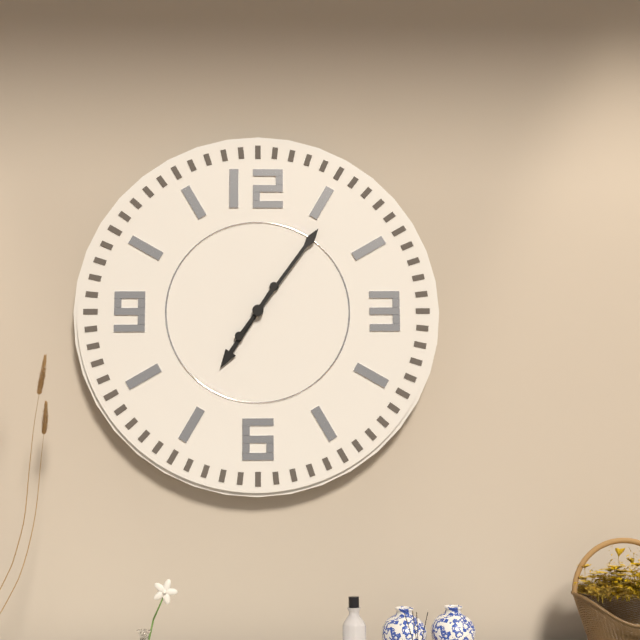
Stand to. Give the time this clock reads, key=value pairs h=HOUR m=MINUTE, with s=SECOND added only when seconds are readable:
h=7 m=6
